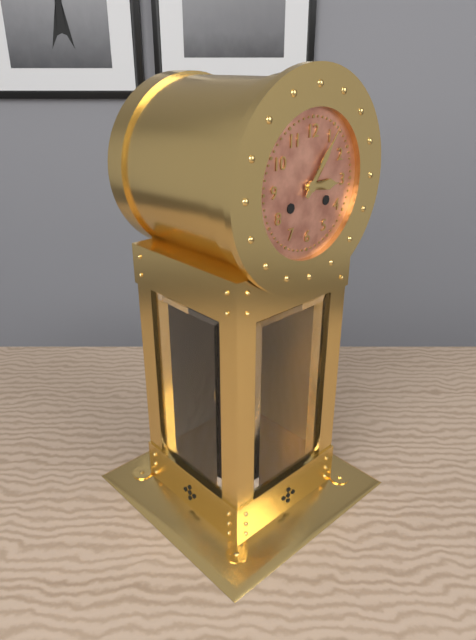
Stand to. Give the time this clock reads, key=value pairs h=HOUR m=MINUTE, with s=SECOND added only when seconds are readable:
h=3 m=6
